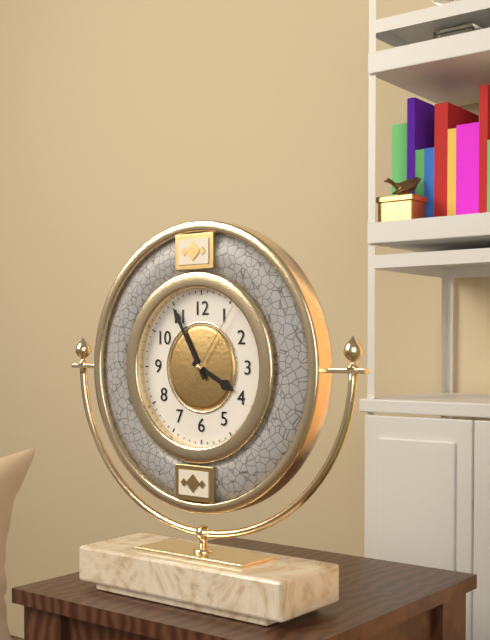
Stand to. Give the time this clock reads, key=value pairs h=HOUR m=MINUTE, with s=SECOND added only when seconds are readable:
h=3 m=55 s=6
